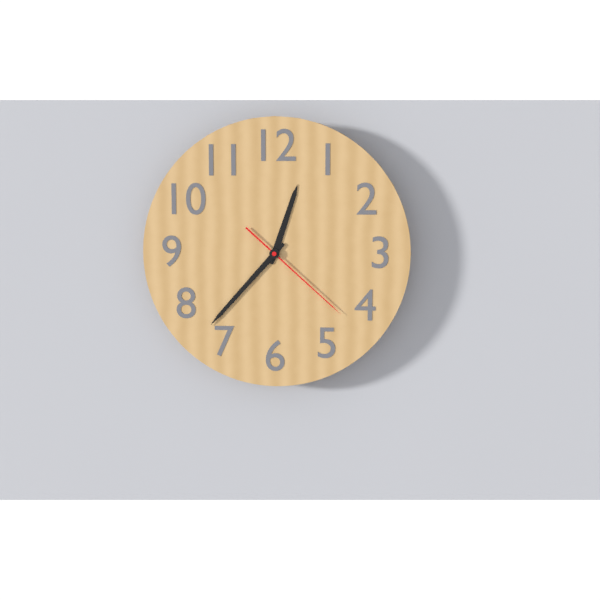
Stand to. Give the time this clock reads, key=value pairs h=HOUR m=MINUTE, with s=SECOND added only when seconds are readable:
h=12 m=37 s=22
